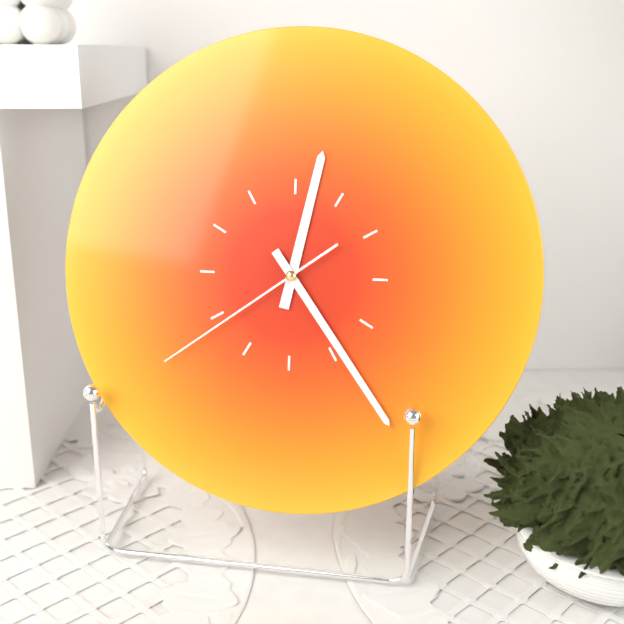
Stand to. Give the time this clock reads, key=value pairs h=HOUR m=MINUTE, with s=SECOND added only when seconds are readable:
h=12 m=24 s=39
